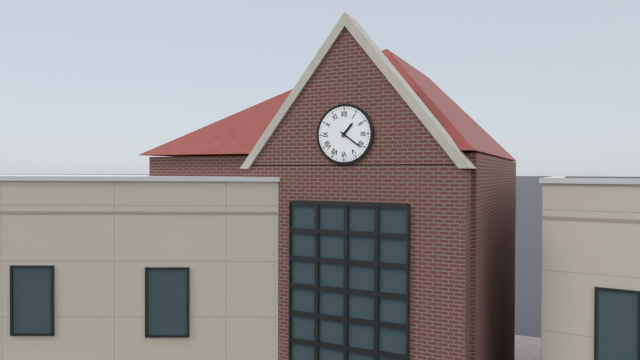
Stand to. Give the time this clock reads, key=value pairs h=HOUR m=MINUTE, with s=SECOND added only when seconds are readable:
h=1 m=21
